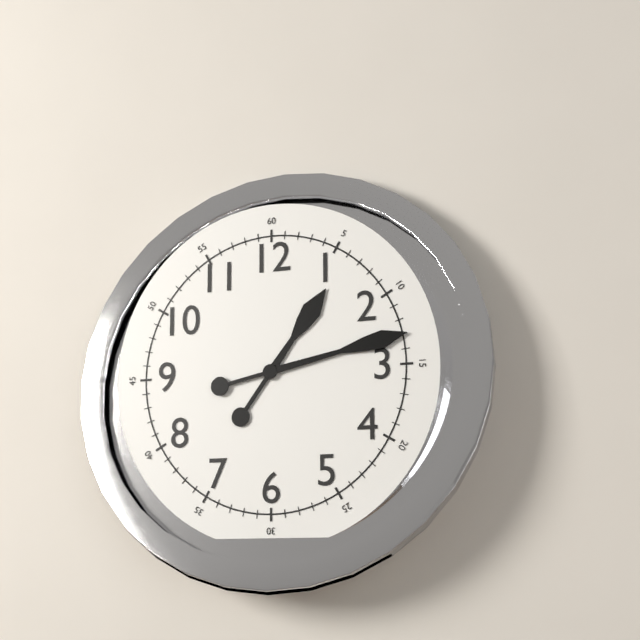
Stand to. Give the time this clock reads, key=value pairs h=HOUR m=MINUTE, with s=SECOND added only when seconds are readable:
h=1 m=13
